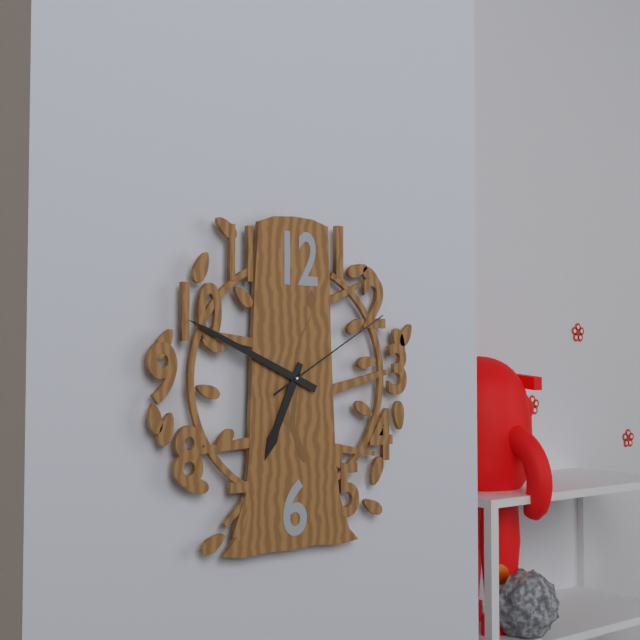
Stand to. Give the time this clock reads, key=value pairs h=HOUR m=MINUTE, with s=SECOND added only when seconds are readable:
h=6 m=49 s=10
